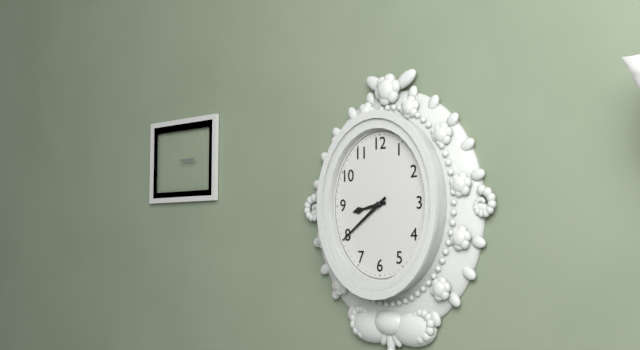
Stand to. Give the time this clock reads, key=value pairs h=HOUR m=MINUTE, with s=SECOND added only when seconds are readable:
h=8 m=39
